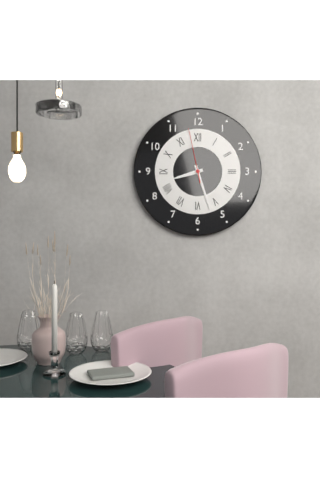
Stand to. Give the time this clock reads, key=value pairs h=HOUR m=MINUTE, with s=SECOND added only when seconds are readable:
h=8 m=27 s=58
